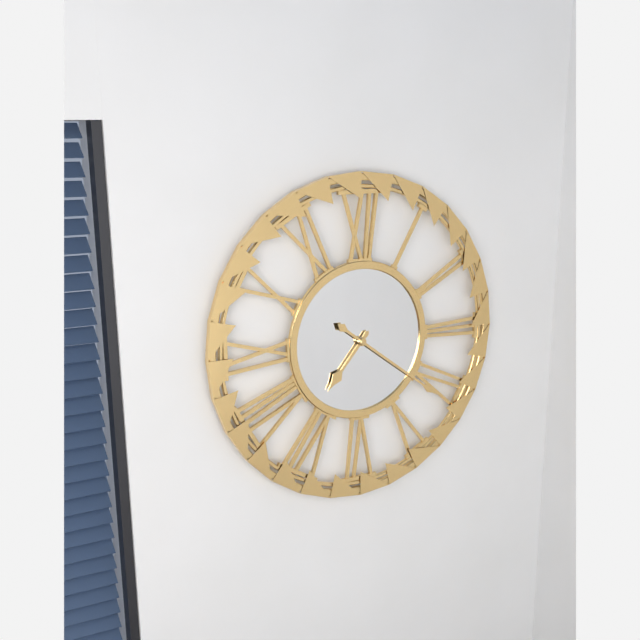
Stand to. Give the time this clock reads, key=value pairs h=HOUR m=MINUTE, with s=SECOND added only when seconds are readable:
h=7 m=21
